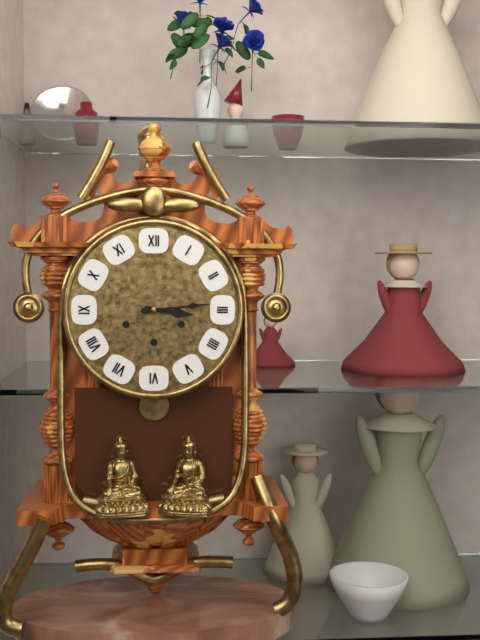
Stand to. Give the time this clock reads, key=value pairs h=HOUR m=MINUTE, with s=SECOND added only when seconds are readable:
h=3 m=14
